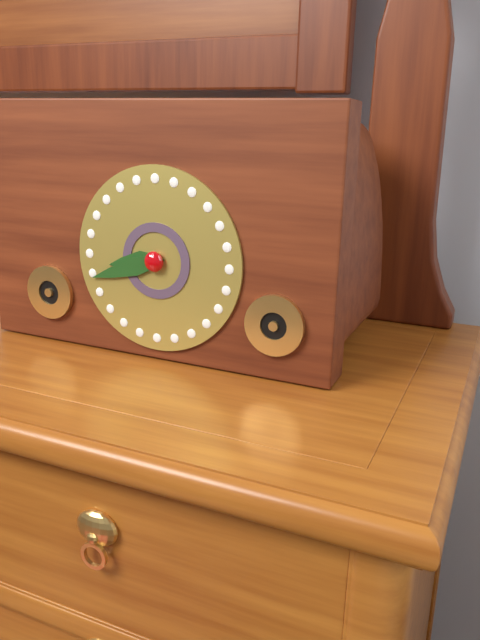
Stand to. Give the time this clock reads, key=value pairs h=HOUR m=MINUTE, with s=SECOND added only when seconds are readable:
h=8 m=42
